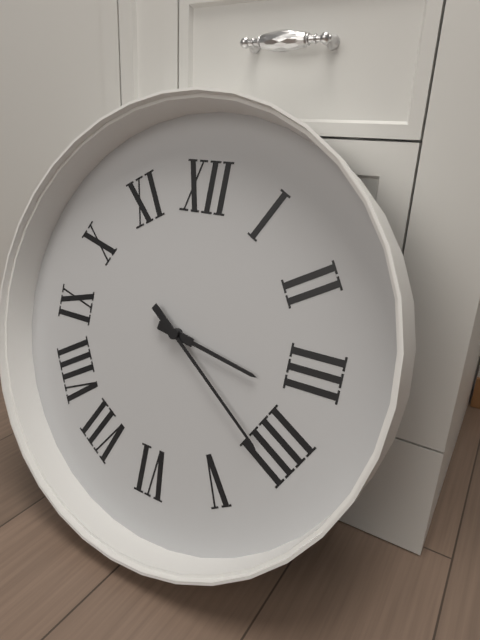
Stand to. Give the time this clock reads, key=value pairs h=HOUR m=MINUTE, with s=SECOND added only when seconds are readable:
h=3 m=21
